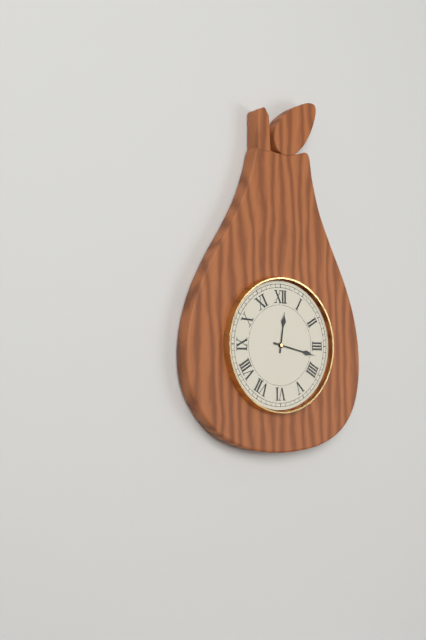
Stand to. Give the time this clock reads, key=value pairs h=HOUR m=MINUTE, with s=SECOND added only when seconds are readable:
h=12 m=17
